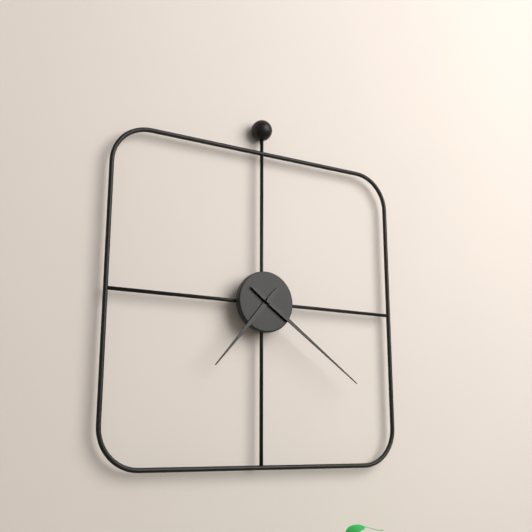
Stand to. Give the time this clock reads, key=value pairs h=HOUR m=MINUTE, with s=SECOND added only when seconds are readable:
h=7 m=21
